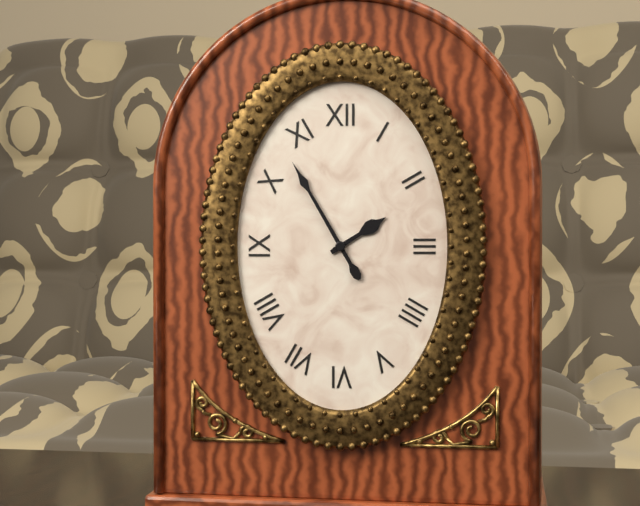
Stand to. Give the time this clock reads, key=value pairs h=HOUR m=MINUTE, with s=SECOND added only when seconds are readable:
h=1 m=55
